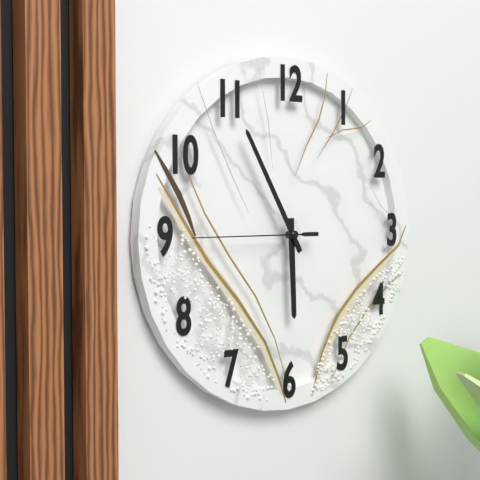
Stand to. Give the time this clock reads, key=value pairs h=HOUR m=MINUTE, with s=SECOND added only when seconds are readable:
h=5 m=55 s=45
